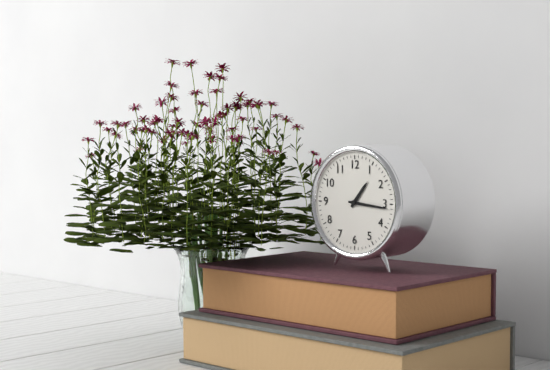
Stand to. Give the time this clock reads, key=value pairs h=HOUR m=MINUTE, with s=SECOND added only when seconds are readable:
h=1 m=16
